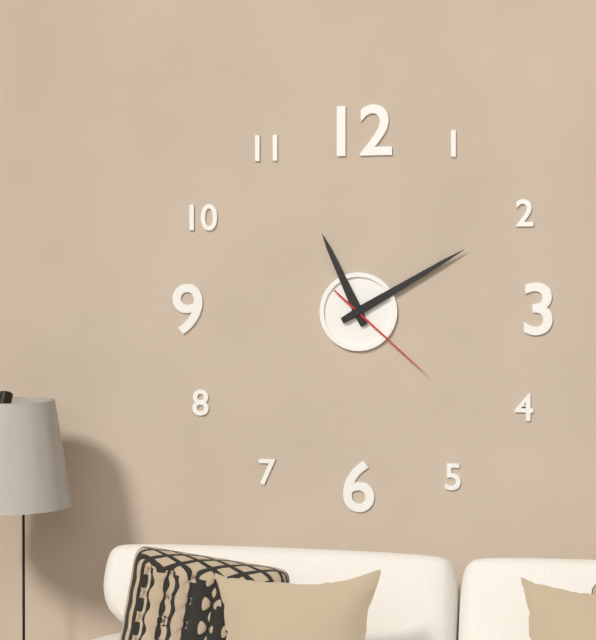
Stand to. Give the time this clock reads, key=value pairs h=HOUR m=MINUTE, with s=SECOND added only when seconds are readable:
h=11 m=10 s=22
